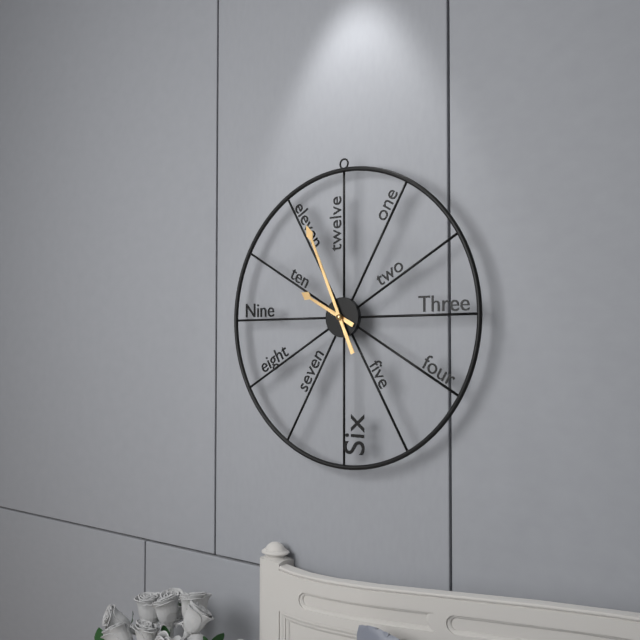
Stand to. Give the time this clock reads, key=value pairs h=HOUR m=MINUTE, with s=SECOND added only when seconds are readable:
h=9 m=56
